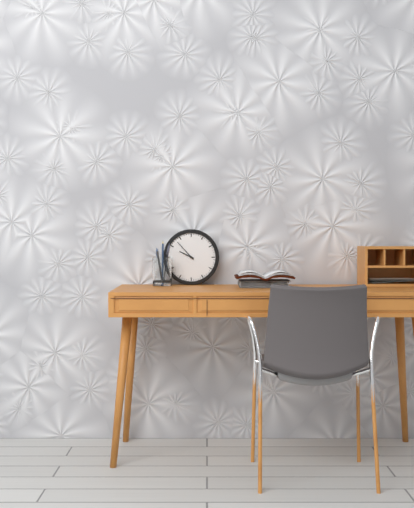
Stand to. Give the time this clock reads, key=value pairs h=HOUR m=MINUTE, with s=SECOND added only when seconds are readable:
h=9 m=53
